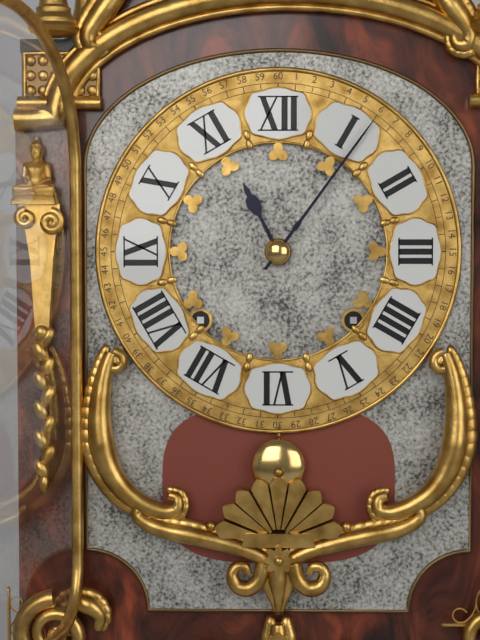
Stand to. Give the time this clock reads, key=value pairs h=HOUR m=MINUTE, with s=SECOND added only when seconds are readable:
h=11 m=6
